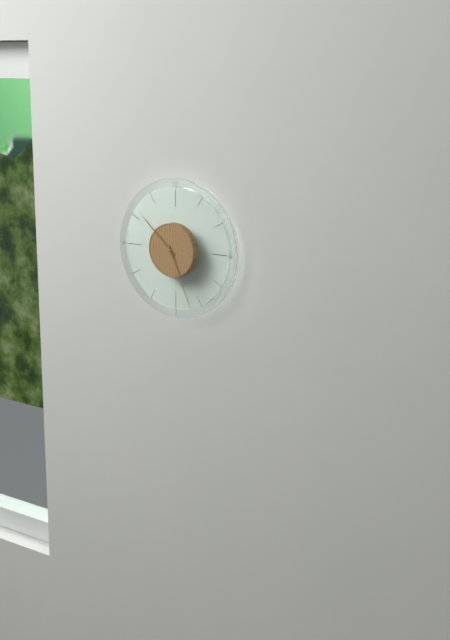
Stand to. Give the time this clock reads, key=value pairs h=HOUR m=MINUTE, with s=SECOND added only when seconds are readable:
h=10 m=26
